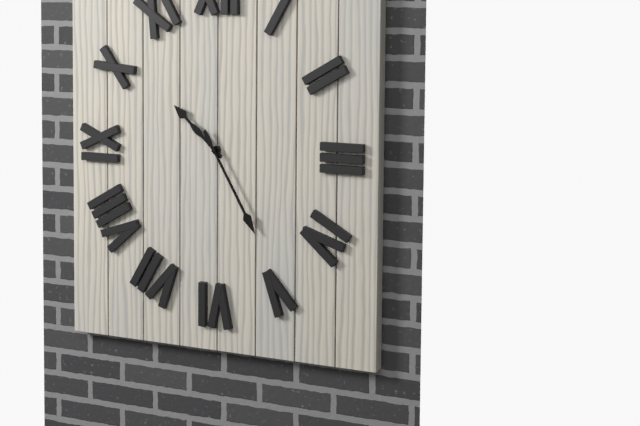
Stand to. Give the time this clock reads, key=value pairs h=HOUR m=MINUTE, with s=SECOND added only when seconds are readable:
h=10 m=25
